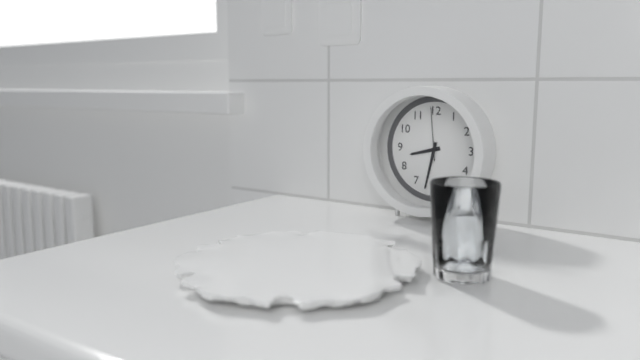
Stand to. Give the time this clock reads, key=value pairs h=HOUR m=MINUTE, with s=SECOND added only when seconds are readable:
h=8 m=32 s=59
